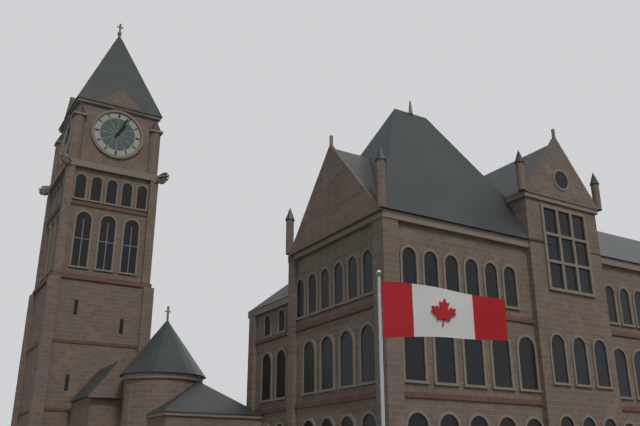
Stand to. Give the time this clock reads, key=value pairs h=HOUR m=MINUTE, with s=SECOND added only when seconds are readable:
h=1 m=4
